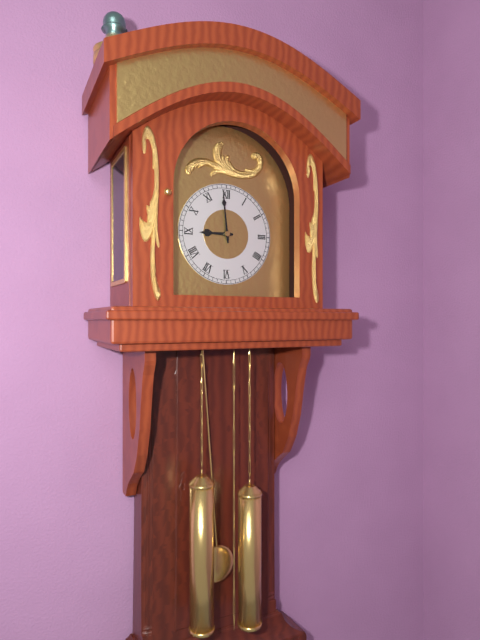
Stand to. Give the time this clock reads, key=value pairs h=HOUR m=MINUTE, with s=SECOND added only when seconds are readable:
h=8 m=59
